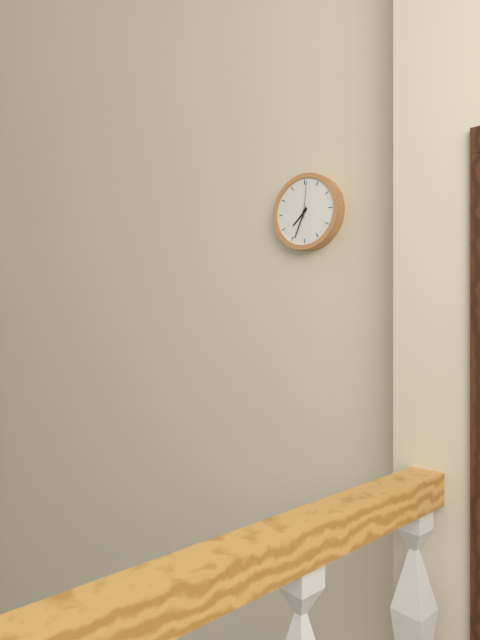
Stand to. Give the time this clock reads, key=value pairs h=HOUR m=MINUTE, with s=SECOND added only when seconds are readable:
h=7 m=34
